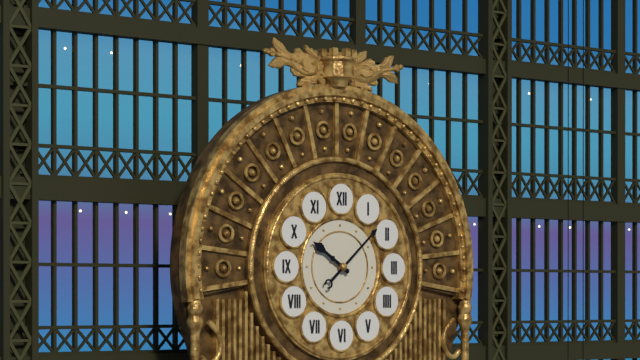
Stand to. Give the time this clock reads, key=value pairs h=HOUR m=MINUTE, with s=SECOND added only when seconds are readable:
h=10 m=8
